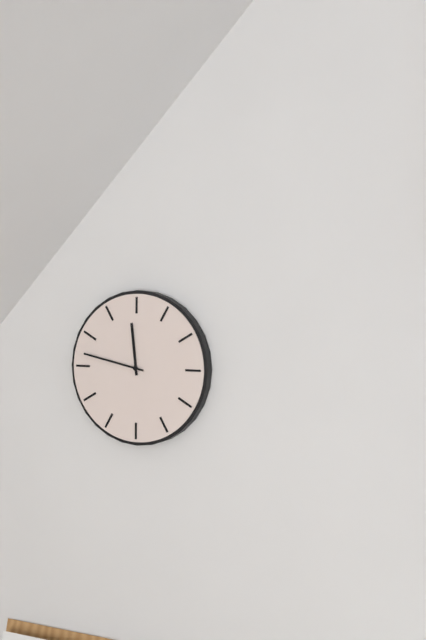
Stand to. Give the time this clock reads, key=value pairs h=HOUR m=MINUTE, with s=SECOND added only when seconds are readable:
h=11 m=47
